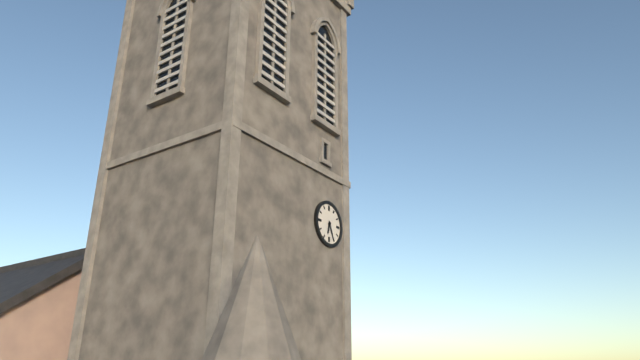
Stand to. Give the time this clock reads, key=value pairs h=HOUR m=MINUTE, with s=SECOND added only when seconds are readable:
h=6 m=26
